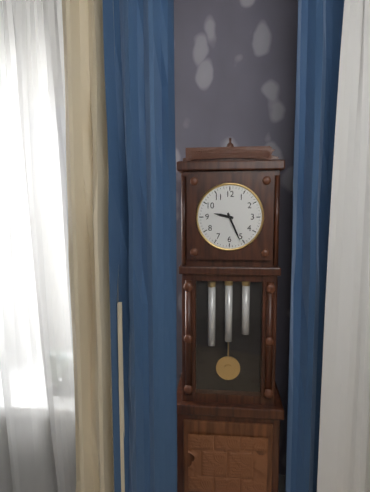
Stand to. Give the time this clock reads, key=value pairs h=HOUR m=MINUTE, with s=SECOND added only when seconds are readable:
h=9 m=26
